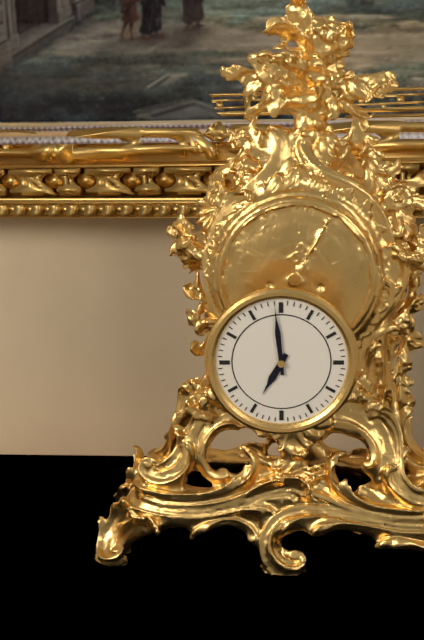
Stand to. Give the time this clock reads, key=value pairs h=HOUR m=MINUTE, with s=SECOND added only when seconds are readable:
h=6 m=59
